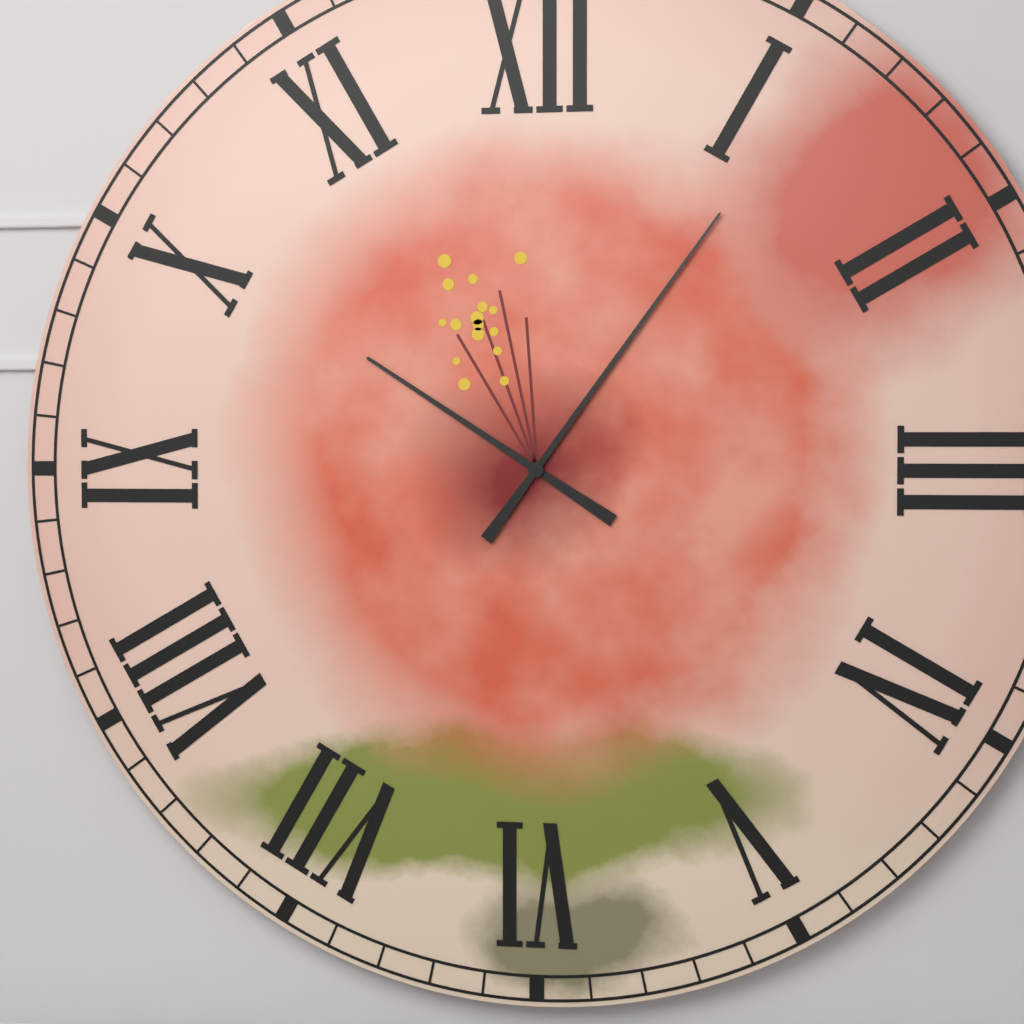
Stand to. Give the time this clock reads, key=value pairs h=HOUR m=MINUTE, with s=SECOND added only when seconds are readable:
h=10 m=6
